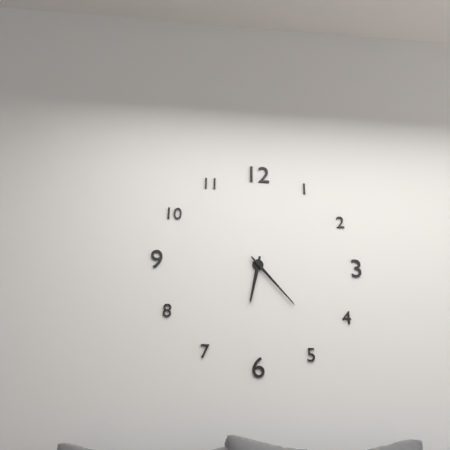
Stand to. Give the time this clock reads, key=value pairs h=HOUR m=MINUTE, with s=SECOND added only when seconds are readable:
h=6 m=23
